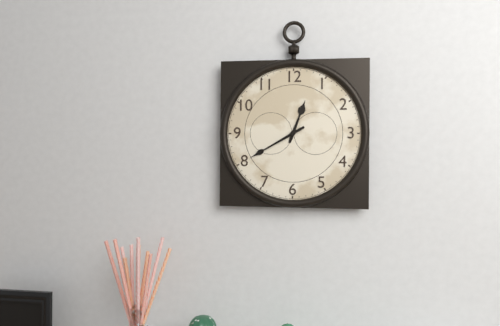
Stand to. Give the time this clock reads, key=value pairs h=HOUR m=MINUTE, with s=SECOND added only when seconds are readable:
h=12 m=40
